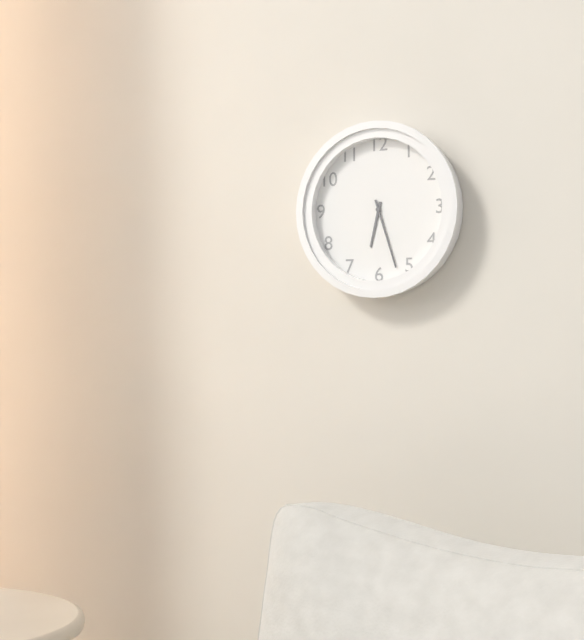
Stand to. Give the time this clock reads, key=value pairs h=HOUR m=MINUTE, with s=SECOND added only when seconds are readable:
h=6 m=27
